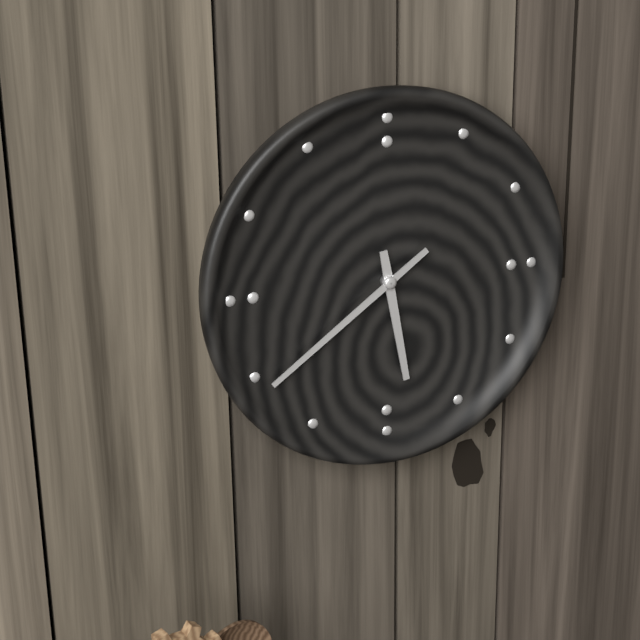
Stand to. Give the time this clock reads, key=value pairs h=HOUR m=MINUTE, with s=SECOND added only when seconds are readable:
h=5 m=39
